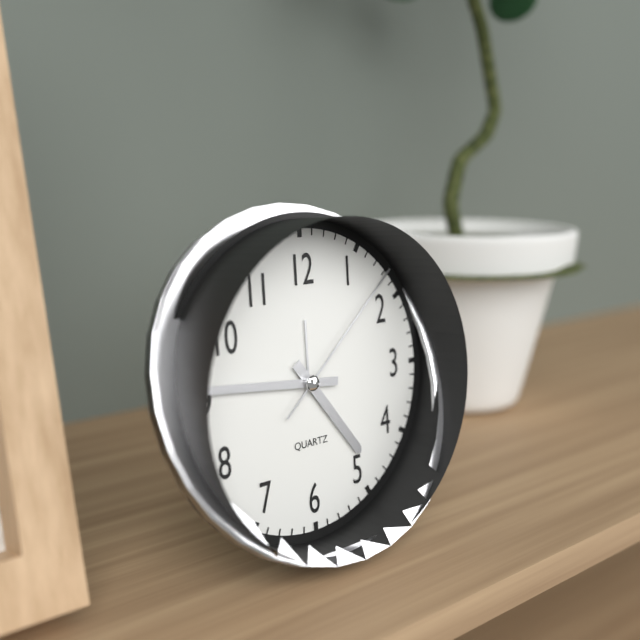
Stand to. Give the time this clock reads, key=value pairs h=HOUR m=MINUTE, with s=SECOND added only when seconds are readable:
h=4 m=46 s=8
